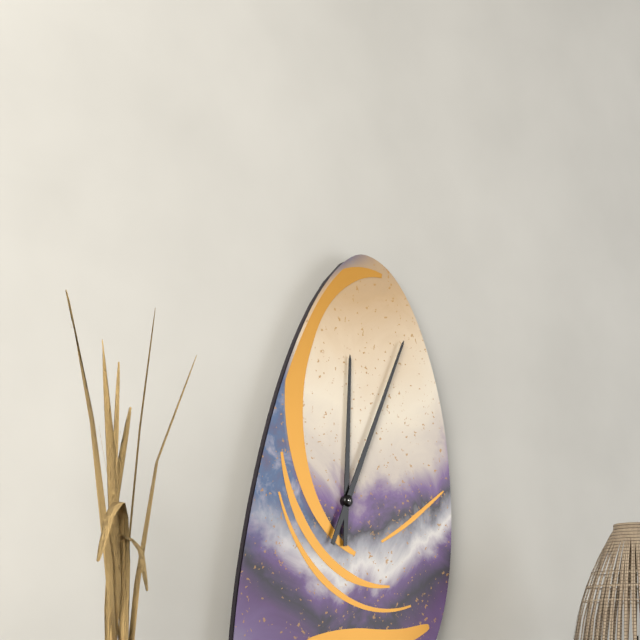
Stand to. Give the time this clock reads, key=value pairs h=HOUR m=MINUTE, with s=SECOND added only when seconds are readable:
h=12 m=4
